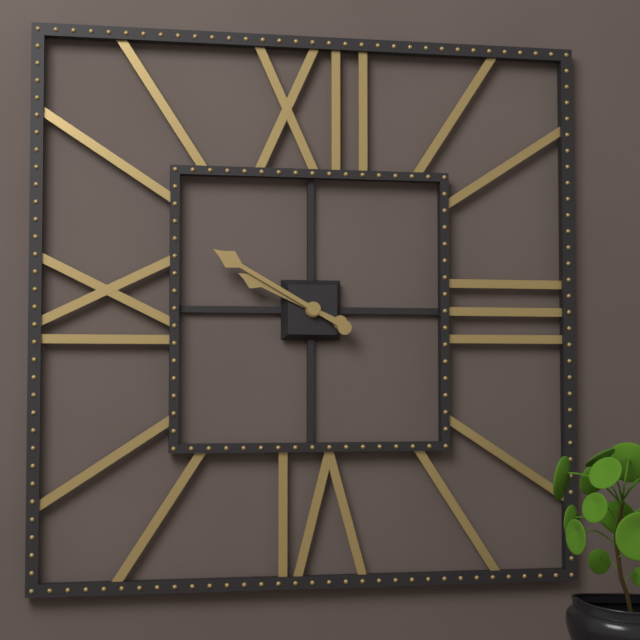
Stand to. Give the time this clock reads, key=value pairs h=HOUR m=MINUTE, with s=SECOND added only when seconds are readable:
h=9 m=50
